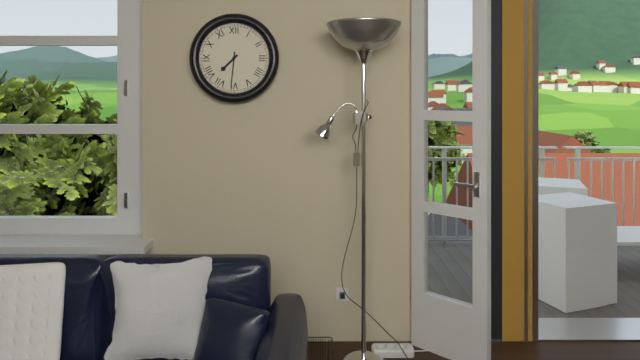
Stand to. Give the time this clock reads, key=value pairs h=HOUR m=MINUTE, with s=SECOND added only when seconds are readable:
h=7 m=31
